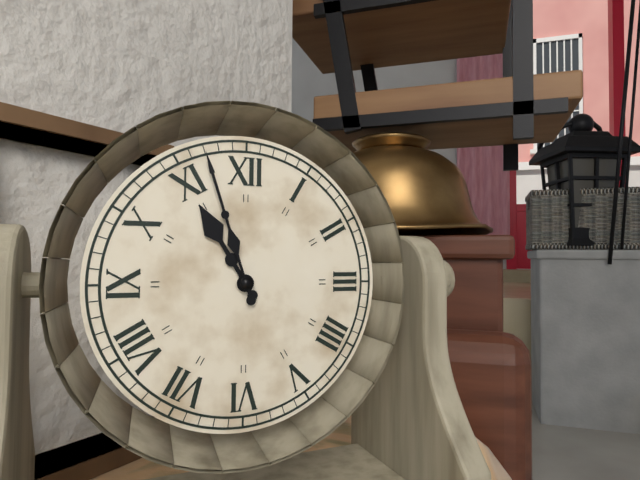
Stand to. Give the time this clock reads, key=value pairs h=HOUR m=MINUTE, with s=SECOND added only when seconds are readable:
h=10 m=57
